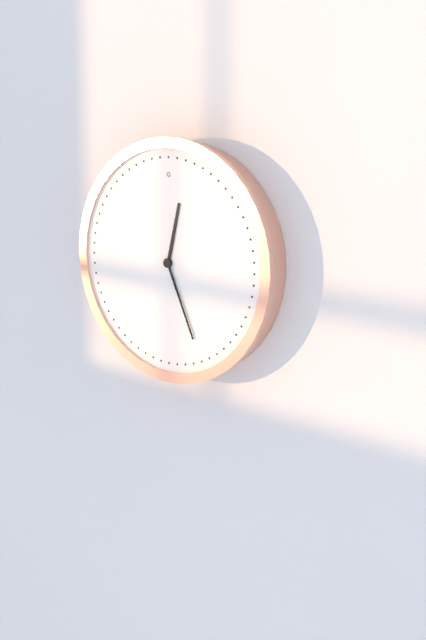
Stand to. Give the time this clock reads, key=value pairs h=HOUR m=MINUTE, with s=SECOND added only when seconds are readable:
h=12 m=26
